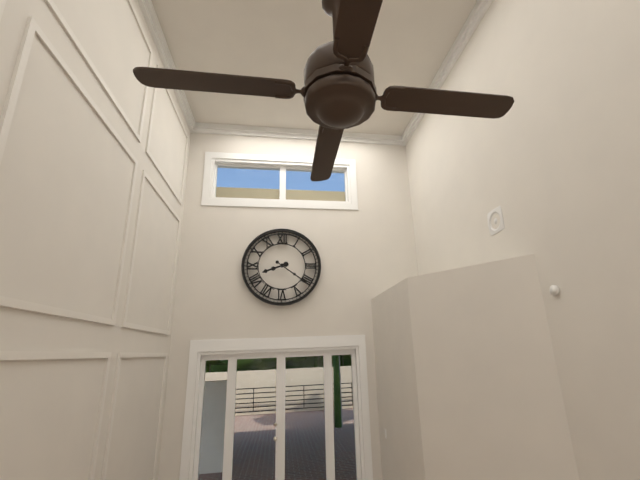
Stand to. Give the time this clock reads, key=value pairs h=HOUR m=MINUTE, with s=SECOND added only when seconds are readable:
h=8 m=21
